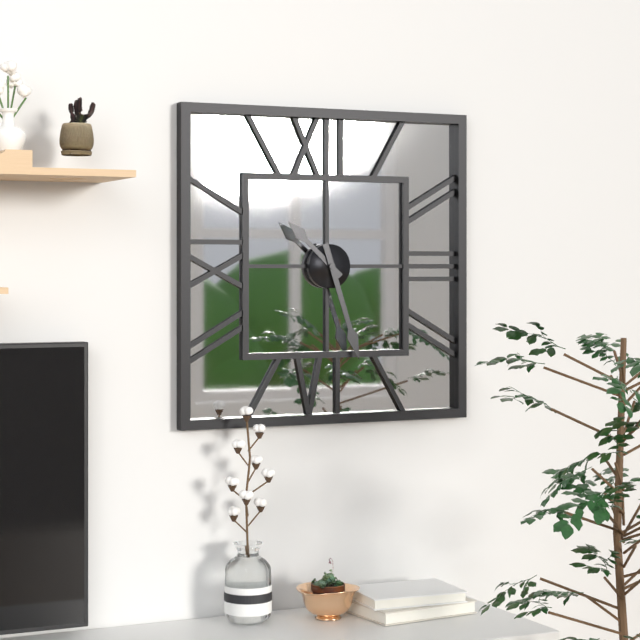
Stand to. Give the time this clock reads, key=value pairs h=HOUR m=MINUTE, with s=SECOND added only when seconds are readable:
h=10 m=27
